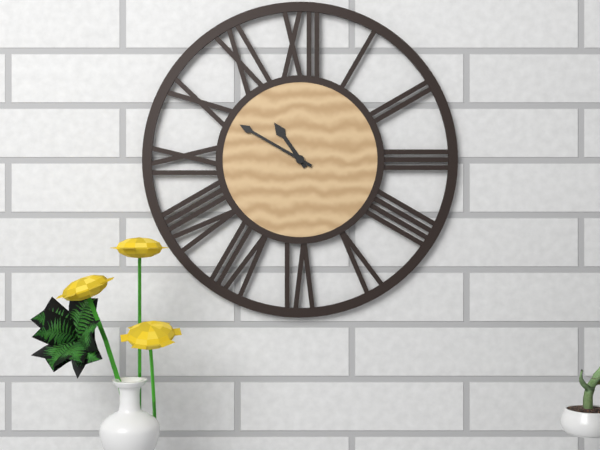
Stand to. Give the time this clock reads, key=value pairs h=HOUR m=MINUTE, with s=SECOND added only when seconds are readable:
h=10 m=50
